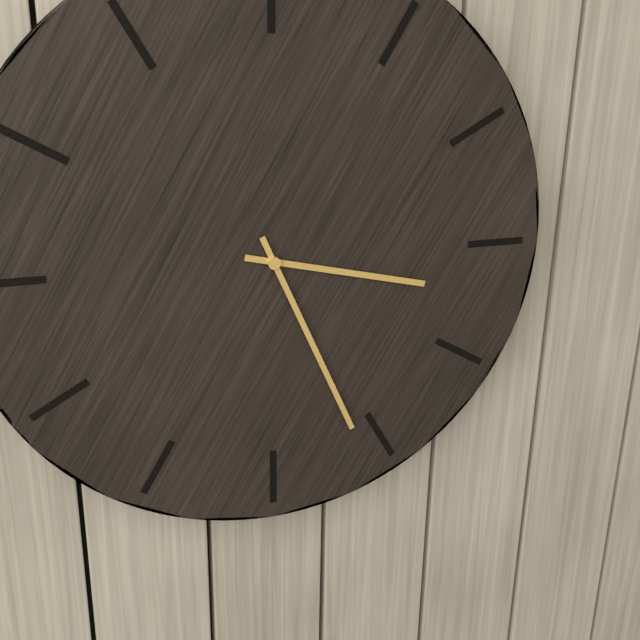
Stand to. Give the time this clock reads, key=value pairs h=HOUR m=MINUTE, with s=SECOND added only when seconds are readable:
h=3 m=26
